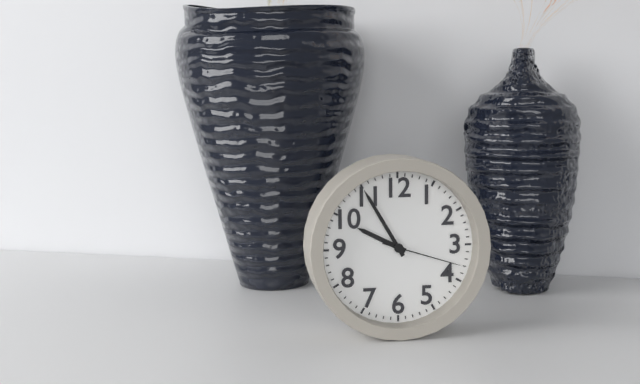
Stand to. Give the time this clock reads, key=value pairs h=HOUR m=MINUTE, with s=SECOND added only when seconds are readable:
h=9 m=55 s=18
